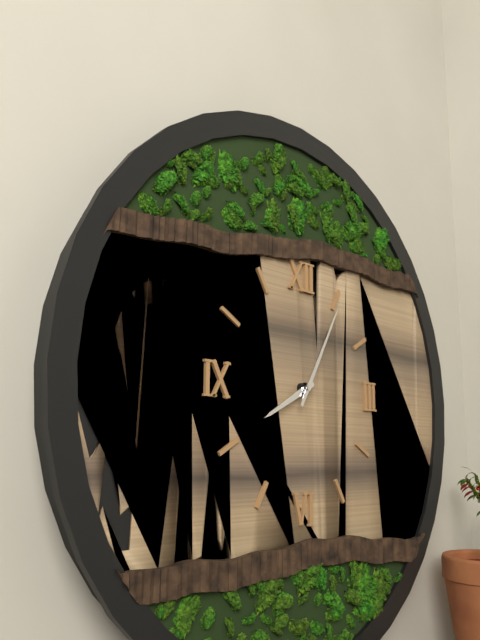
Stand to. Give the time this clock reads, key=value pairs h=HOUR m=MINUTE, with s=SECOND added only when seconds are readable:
h=8 m=5
